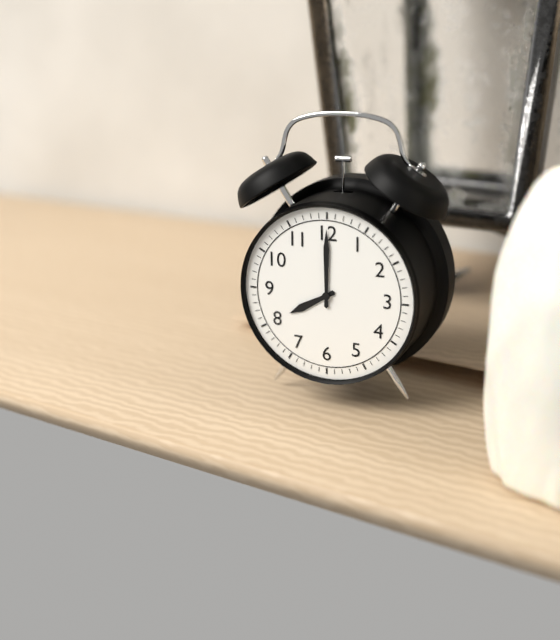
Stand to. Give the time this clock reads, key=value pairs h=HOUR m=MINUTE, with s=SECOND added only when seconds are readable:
h=8 m=0
